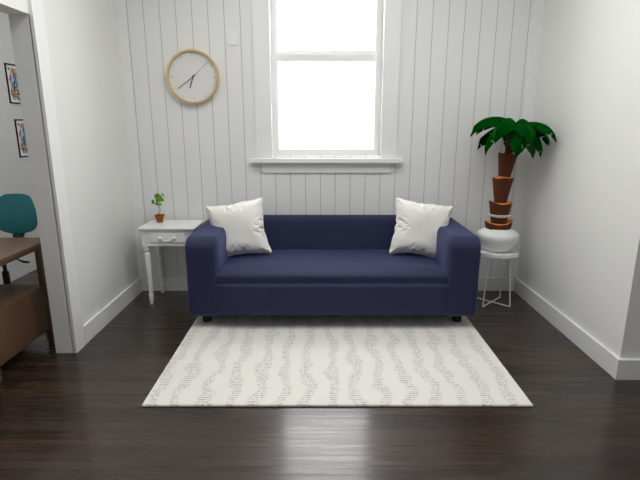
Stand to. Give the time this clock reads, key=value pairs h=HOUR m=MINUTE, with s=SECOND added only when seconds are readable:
h=6 m=39
